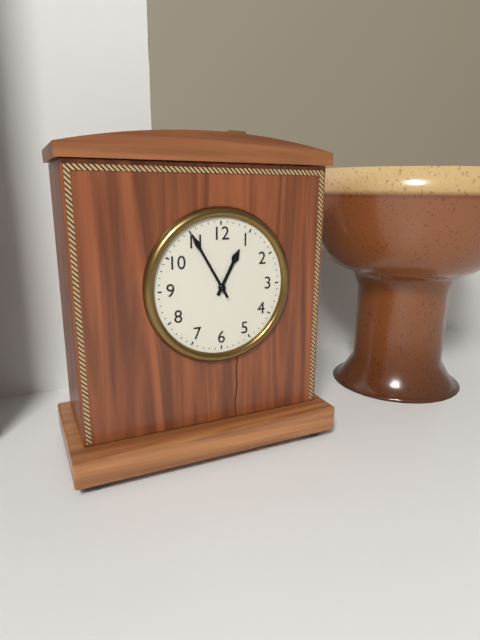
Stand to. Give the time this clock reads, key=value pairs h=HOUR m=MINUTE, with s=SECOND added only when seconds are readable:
h=12 m=55
